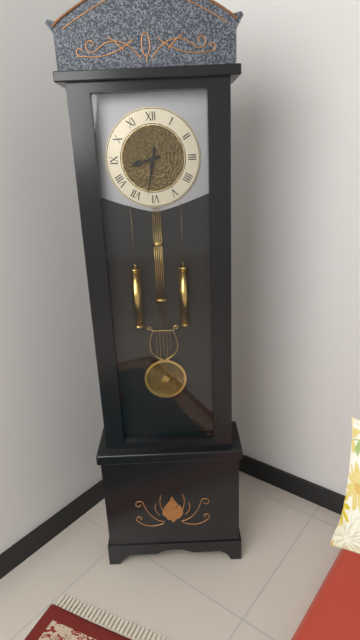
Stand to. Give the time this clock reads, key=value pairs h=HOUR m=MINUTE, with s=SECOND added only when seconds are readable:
h=8 m=32
